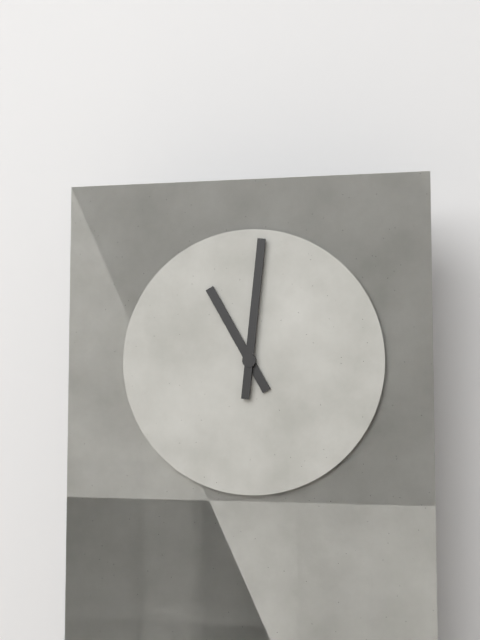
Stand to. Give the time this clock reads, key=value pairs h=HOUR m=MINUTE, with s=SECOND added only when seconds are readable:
h=11 m=1
